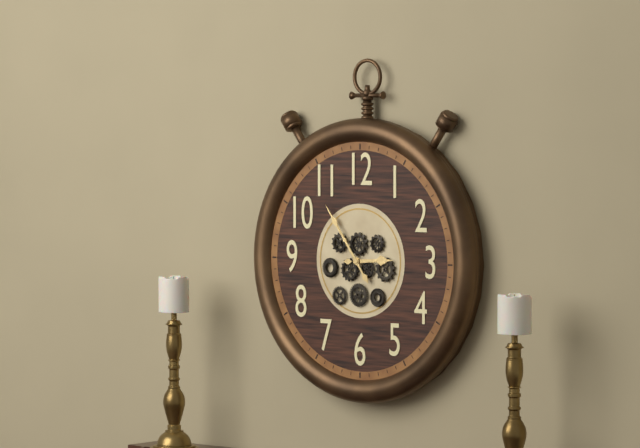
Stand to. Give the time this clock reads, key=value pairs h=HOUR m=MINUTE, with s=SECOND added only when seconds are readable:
h=2 m=54
